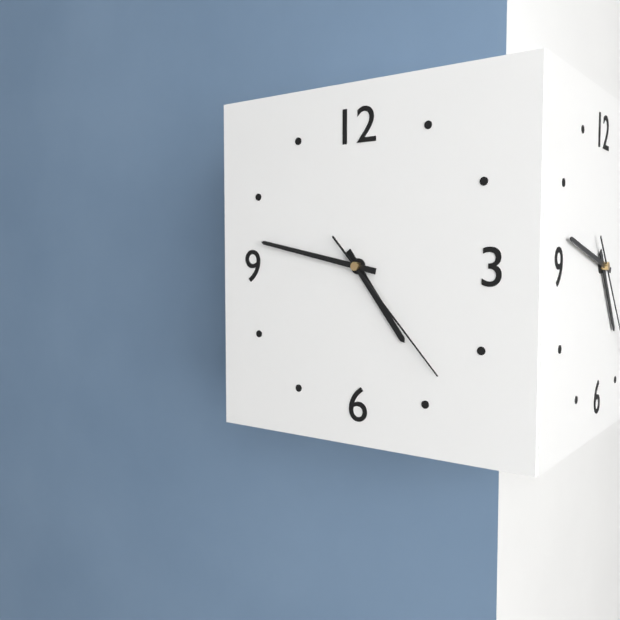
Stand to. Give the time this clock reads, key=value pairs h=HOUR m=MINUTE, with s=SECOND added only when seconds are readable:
h=4 m=47 s=23
